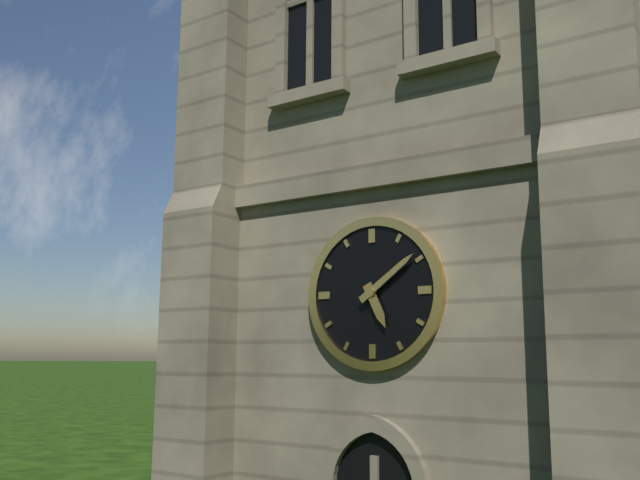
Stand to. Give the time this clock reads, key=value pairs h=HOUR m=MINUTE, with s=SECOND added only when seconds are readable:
h=5 m=9
